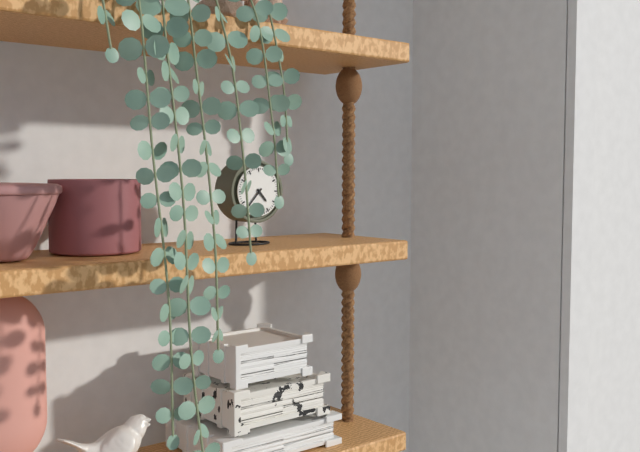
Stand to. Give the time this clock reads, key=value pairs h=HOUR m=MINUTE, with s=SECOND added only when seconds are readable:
h=4 m=37
